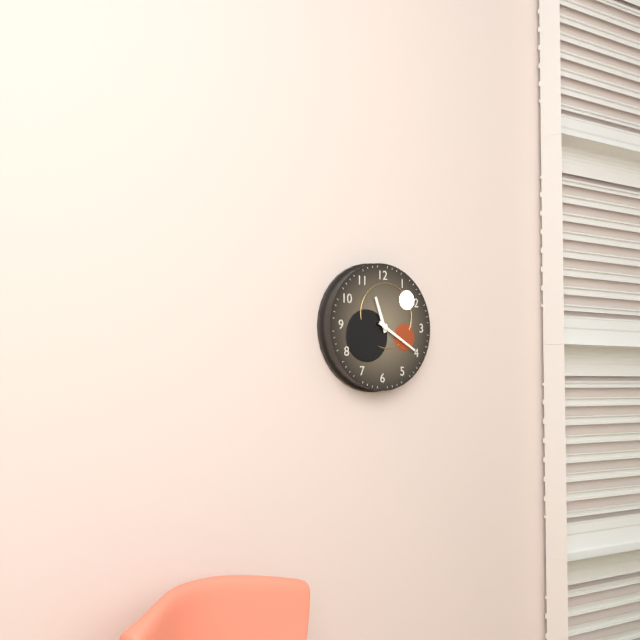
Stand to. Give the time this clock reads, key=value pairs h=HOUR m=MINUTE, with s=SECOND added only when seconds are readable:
h=11 m=20
